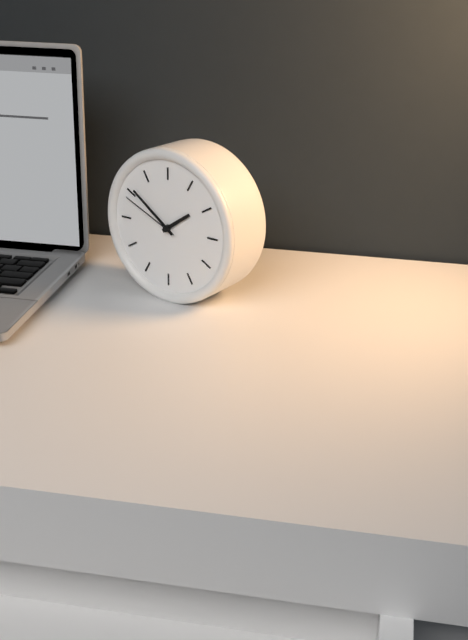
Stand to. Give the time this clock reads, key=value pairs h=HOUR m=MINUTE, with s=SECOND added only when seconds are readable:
h=1 m=51 s=49
